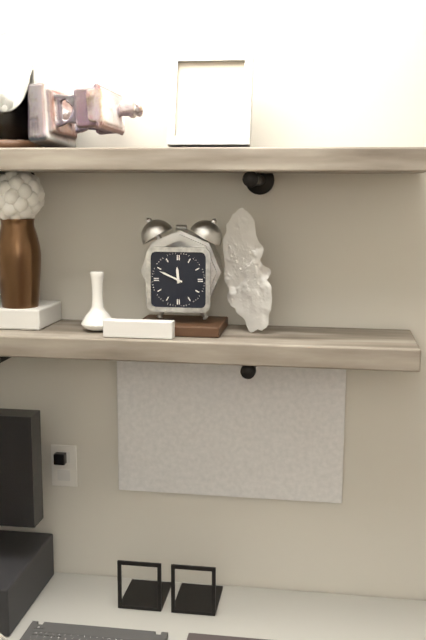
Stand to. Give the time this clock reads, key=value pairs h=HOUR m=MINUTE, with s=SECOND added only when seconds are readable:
h=11 m=49
